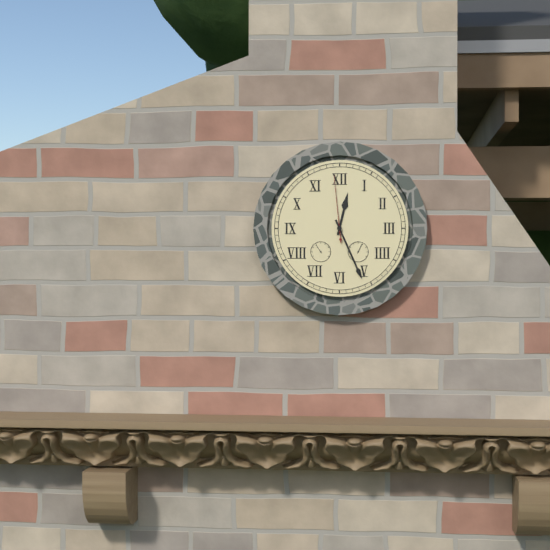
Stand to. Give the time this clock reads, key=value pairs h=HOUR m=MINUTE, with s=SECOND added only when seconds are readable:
h=12 m=26 s=59
